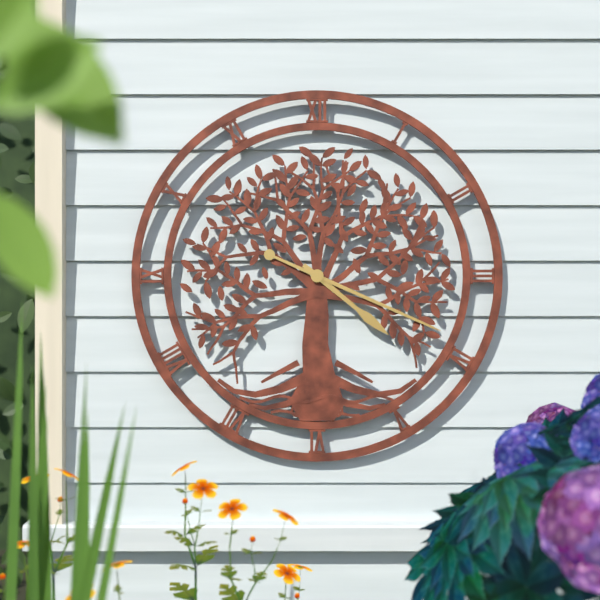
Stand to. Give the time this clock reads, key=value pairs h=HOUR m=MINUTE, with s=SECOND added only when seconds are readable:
h=4 m=19
